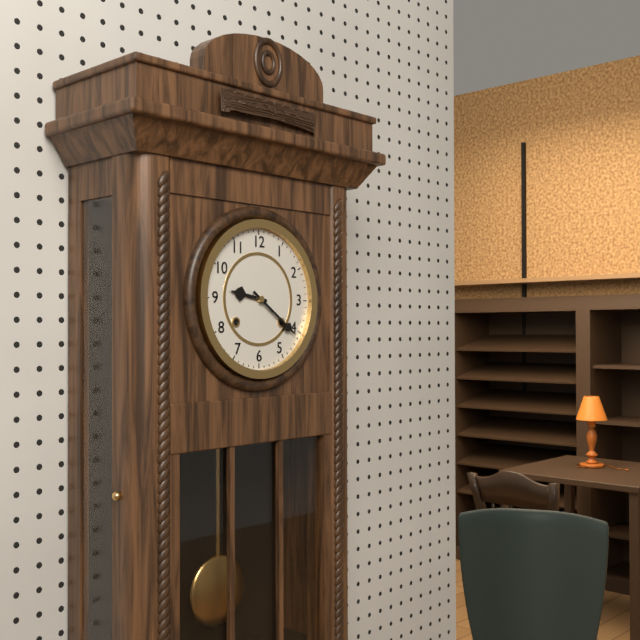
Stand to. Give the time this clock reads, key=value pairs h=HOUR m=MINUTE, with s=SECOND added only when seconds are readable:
h=9 m=21
